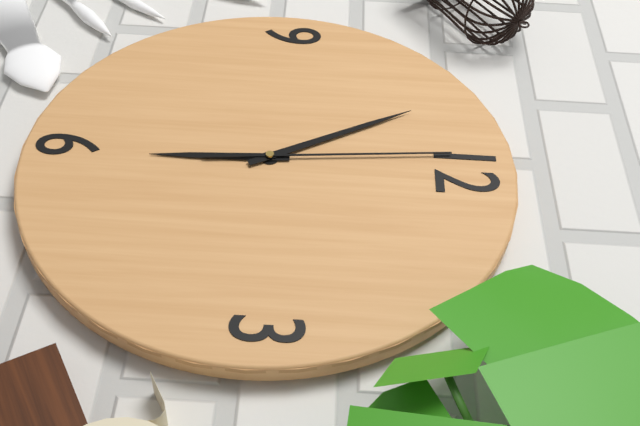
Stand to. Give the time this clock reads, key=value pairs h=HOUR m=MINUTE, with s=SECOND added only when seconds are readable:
h=5 m=55 s=59
